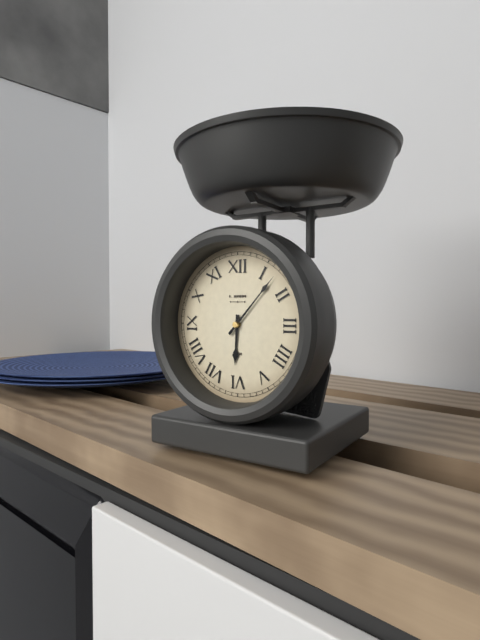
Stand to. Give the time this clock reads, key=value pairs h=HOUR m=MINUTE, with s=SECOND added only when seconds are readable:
h=6 m=7
